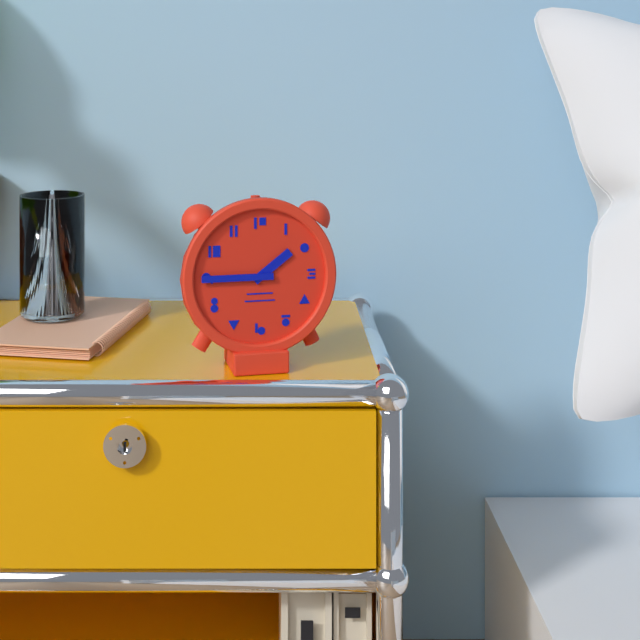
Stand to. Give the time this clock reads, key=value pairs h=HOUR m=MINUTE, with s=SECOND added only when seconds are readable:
h=1 m=45
